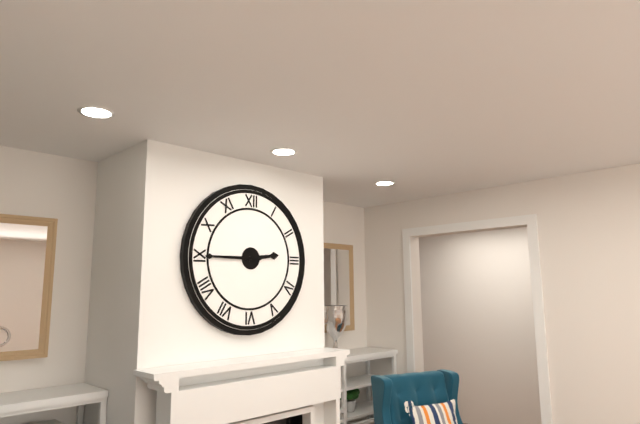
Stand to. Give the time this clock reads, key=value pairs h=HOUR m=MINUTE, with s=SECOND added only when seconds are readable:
h=2 m=45
